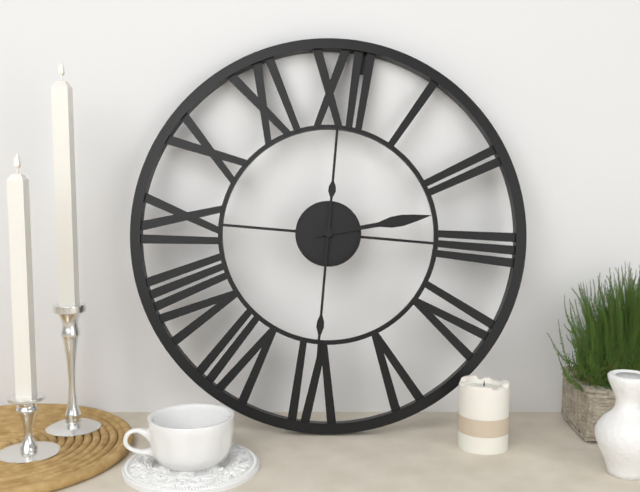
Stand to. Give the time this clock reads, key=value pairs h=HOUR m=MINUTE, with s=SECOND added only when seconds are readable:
h=2 m=30
